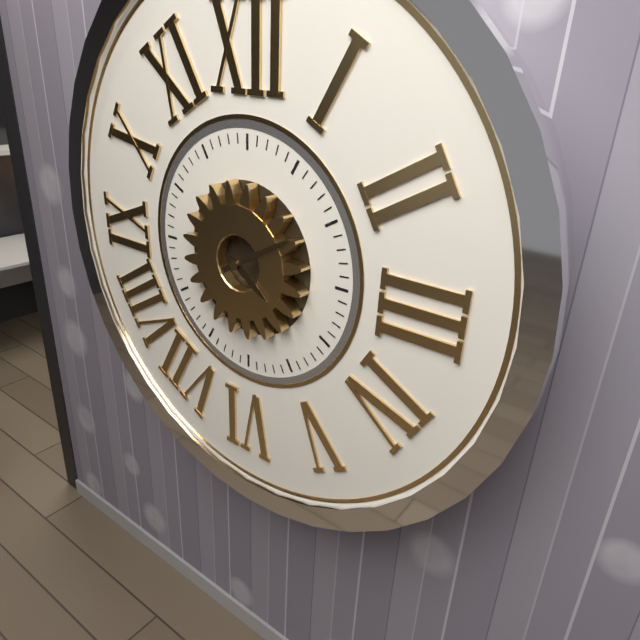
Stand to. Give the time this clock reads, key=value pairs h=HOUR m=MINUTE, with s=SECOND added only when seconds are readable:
h=4 m=10
